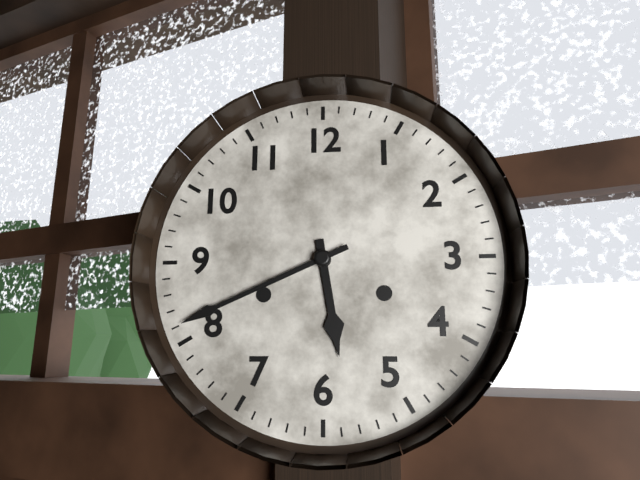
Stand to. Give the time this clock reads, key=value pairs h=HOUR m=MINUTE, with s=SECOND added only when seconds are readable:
h=5 m=41
